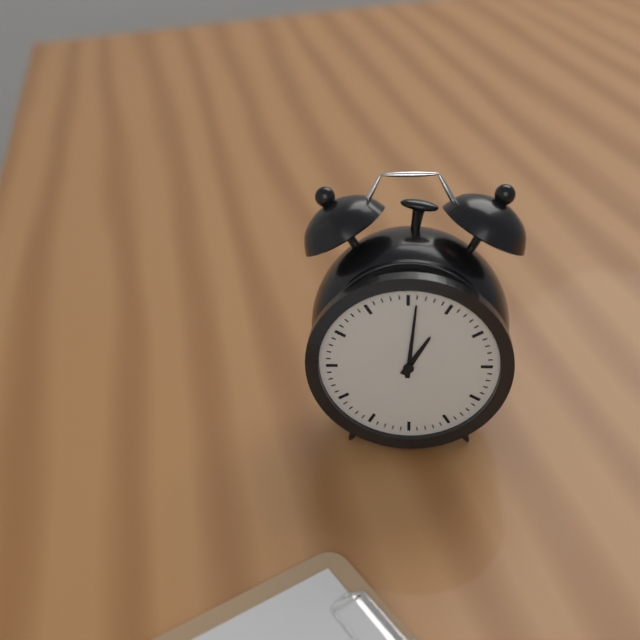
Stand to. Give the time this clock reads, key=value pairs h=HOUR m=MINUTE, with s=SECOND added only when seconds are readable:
h=1 m=1
